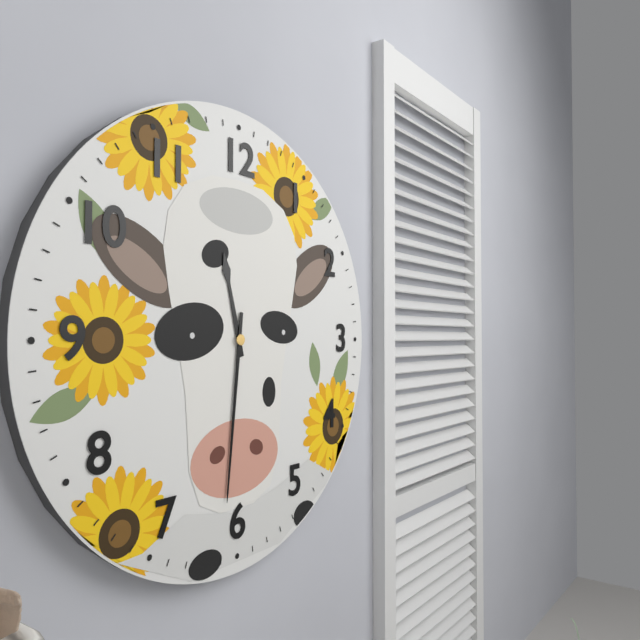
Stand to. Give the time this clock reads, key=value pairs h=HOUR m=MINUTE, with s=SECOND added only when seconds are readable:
h=11 m=31
